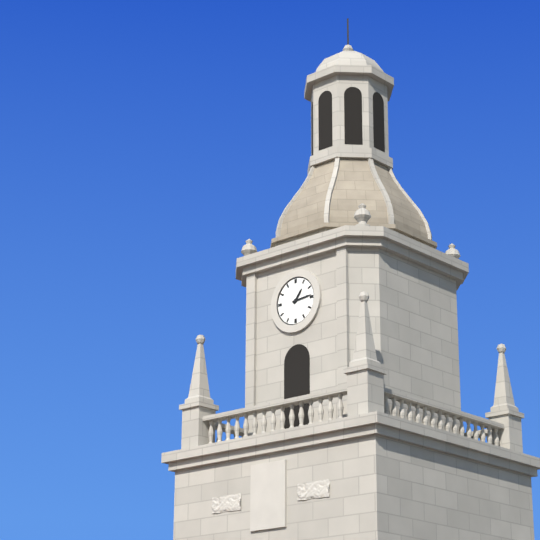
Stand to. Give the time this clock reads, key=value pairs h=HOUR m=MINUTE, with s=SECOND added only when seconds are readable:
h=1 m=14
